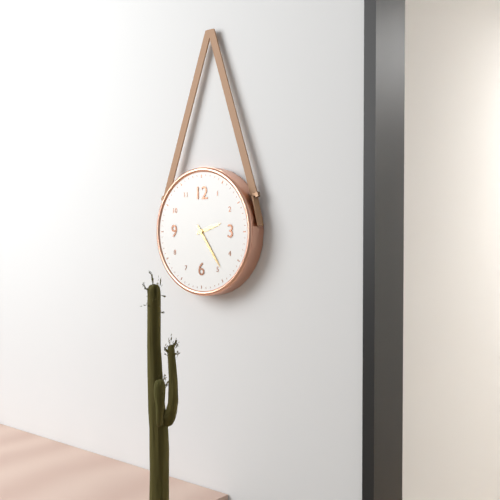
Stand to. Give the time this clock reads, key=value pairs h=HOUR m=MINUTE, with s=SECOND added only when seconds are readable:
h=2 m=24
